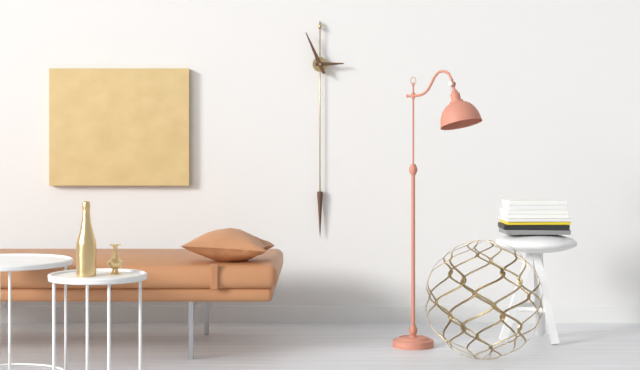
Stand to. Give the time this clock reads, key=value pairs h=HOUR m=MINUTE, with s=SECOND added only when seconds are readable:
h=2 m=56
